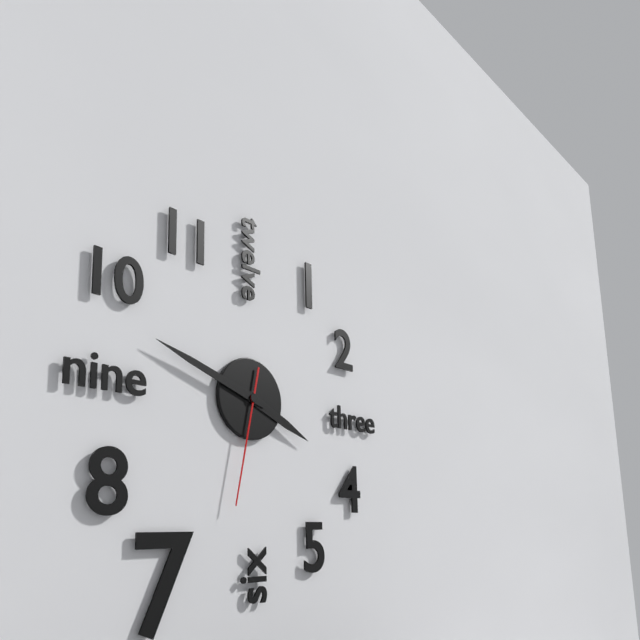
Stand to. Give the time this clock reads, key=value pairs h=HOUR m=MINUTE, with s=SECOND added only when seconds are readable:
h=3 m=48 s=32
